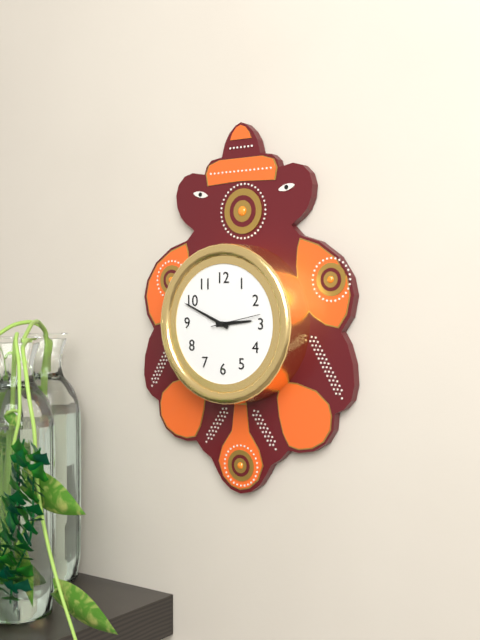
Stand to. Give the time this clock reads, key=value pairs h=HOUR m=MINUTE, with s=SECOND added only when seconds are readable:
h=2 m=49
